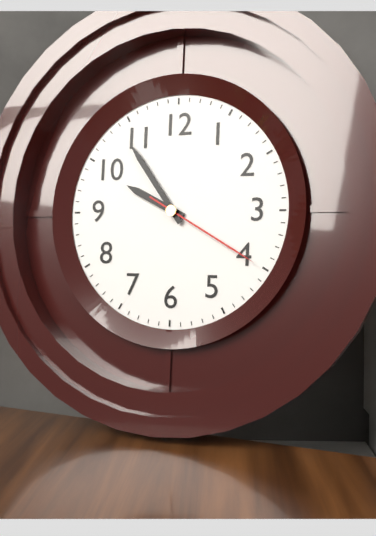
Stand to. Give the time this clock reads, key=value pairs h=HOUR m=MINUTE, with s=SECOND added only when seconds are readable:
h=9 m=54 s=20
